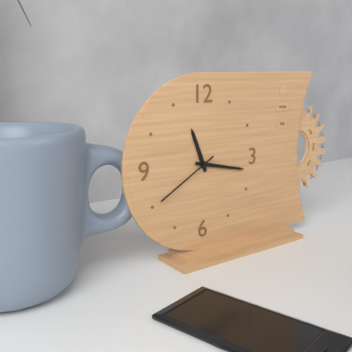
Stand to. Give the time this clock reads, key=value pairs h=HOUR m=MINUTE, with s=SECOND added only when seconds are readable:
h=11 m=17 s=40
